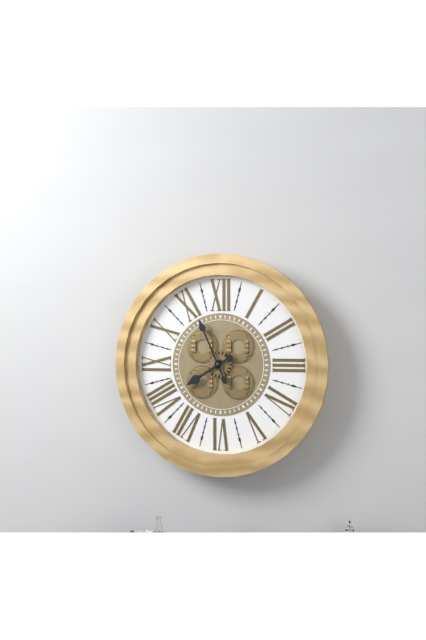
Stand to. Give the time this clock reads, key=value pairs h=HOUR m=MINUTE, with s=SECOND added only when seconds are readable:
h=7 m=56
